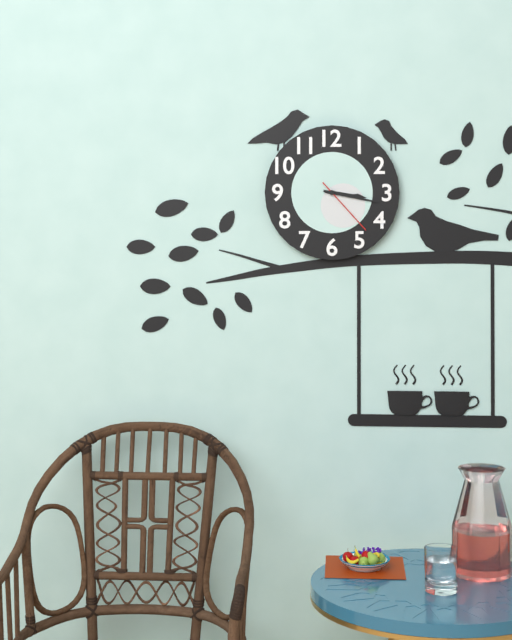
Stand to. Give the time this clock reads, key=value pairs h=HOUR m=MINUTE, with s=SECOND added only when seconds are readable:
h=3 m=17 s=23
